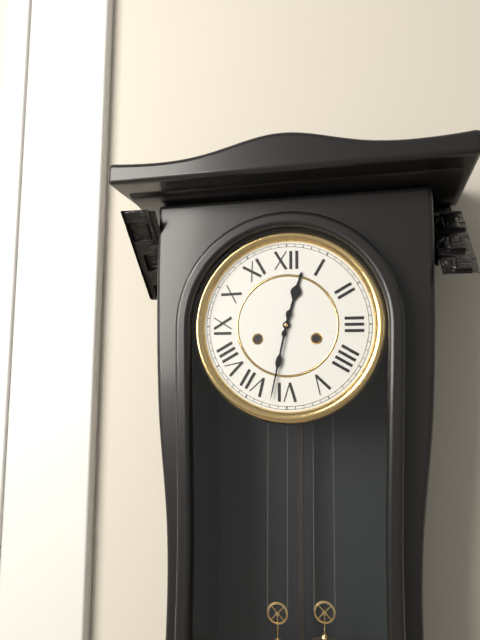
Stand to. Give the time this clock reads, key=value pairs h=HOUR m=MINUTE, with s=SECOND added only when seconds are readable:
h=12 m=32
